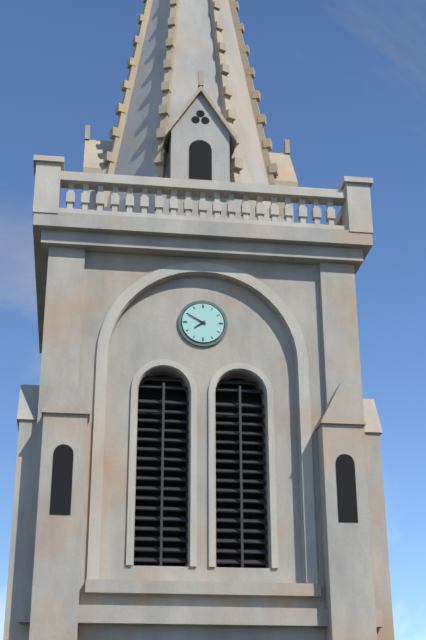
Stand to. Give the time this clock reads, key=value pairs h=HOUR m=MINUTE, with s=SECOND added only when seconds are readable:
h=7 m=50
